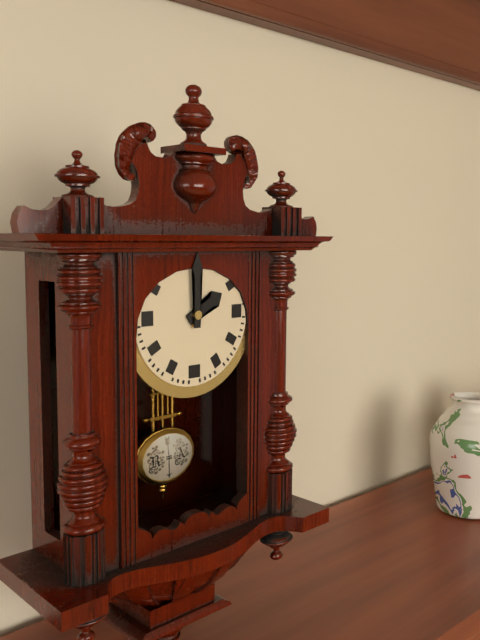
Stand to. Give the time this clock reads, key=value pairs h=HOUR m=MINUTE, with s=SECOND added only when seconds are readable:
h=2 m=0
